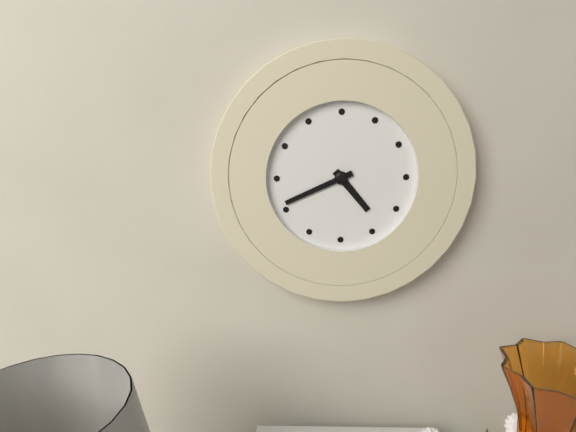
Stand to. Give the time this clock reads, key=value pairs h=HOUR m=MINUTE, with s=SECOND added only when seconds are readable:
h=4 m=41
